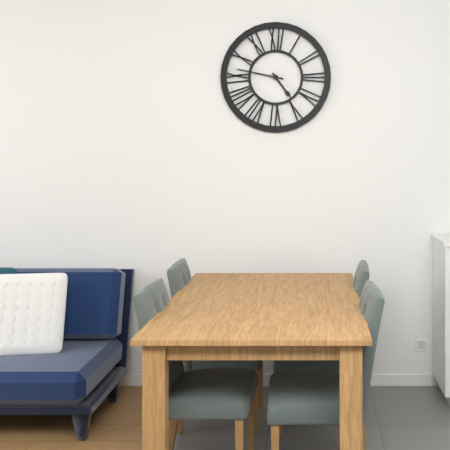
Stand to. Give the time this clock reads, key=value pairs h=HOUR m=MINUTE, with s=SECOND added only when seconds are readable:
h=4 m=47
